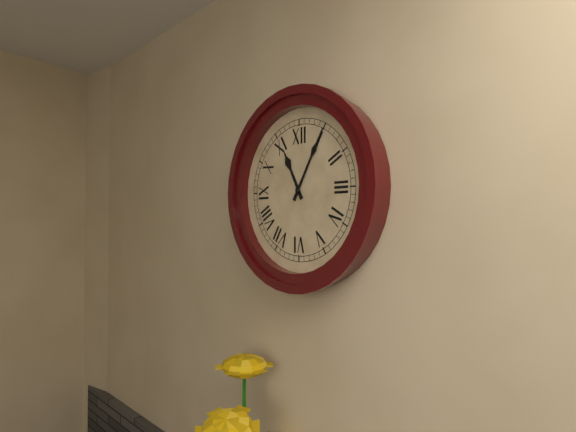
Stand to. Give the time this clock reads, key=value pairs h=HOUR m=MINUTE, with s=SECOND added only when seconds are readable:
h=11 m=5
